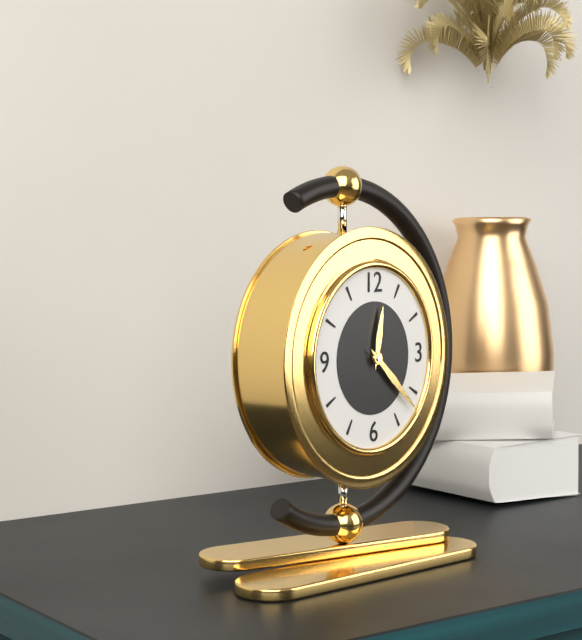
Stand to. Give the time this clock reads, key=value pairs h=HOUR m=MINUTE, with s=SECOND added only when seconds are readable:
h=12 m=22
